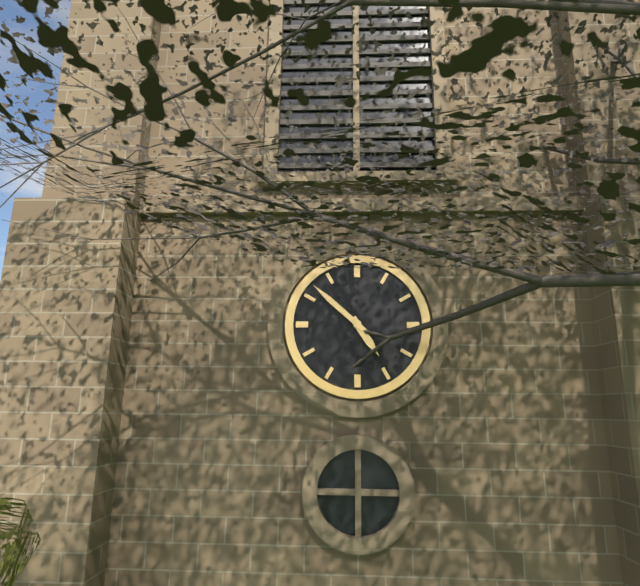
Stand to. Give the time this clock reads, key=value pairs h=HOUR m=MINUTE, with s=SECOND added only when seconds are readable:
h=4 m=52
